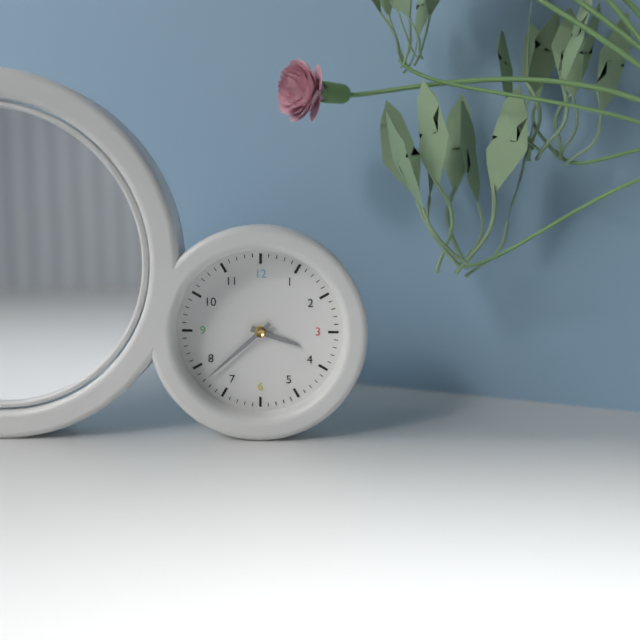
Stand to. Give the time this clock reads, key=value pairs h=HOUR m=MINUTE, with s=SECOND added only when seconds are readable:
h=3 m=38
